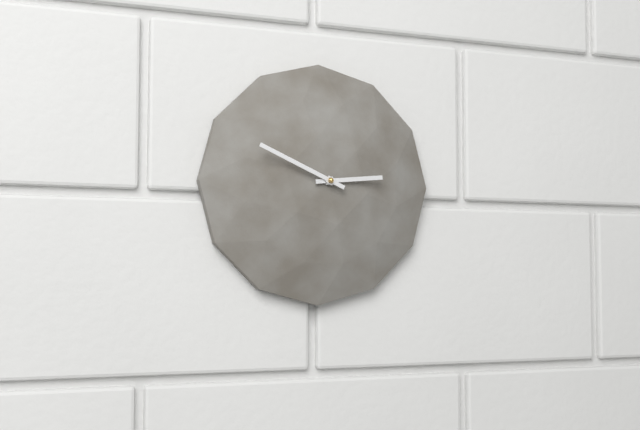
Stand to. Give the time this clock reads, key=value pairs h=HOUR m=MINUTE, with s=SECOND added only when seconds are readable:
h=2 m=49
